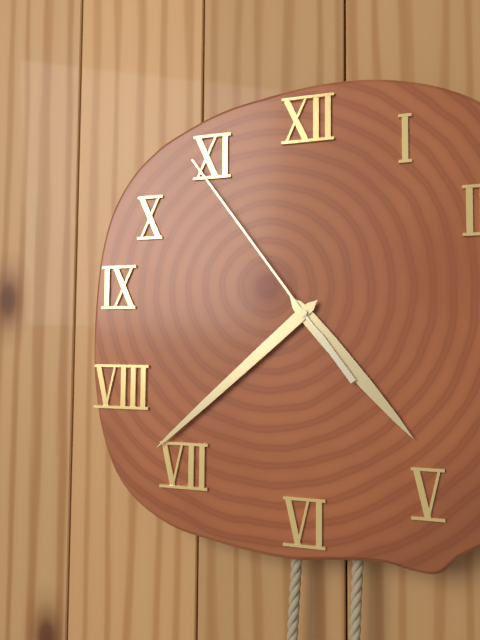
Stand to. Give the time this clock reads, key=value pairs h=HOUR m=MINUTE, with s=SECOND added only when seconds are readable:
h=4 m=38 s=54
